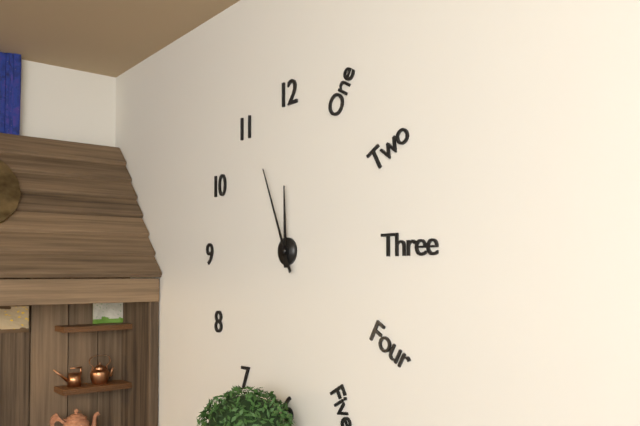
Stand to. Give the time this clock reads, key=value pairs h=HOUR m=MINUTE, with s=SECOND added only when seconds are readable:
h=11 m=56
